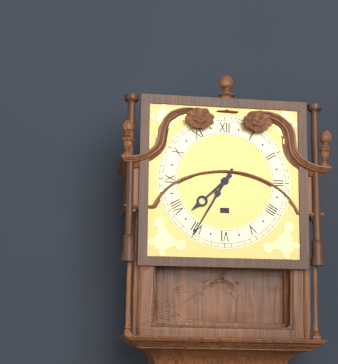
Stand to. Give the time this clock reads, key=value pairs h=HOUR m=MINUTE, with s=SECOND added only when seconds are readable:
h=7 m=35
